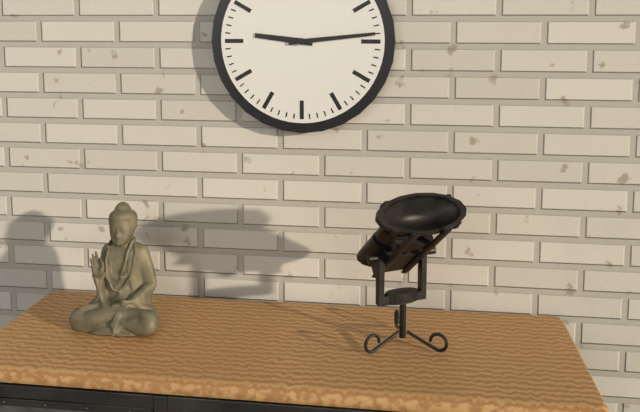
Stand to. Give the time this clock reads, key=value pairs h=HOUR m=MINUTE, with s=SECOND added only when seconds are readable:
h=9 m=14
